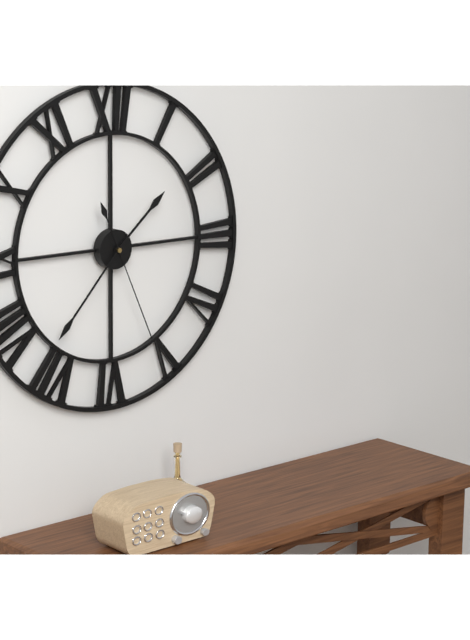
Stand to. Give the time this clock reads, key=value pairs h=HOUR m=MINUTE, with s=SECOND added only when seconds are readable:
h=1 m=37 s=26
